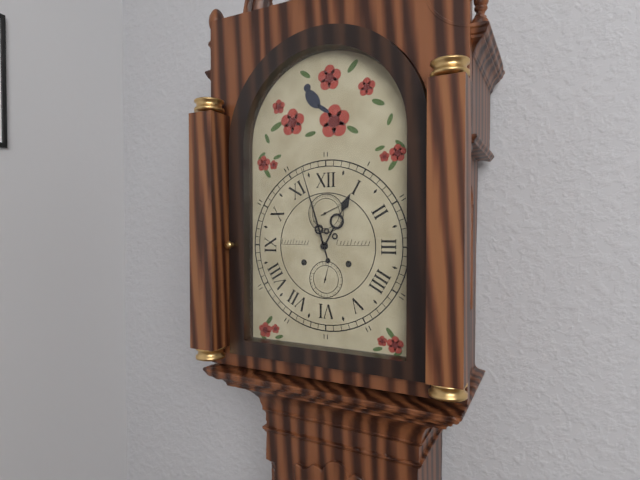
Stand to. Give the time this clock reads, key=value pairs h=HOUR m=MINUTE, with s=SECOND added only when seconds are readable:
h=12 m=57
